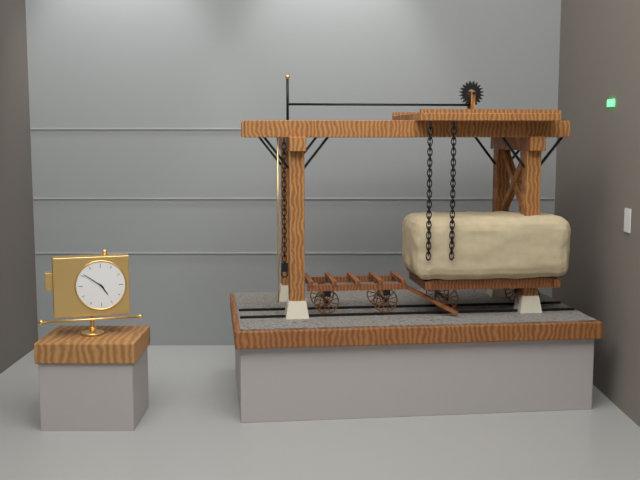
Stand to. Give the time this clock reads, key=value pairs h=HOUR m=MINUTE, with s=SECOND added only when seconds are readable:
h=4 m=51
